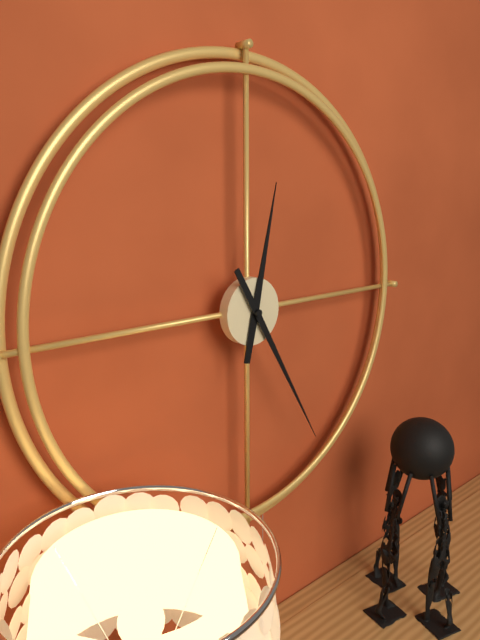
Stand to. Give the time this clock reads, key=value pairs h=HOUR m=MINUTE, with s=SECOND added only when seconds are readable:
h=12 m=25
